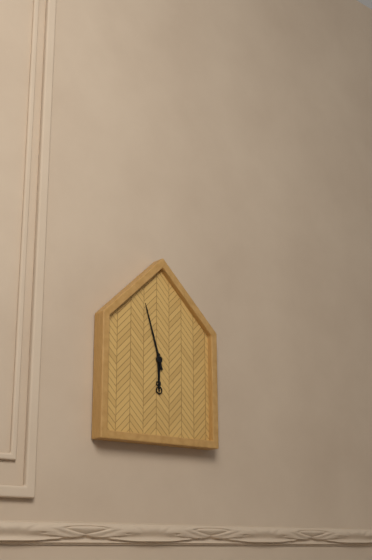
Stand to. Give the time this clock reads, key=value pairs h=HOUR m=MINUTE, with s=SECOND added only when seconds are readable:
h=5 m=57
